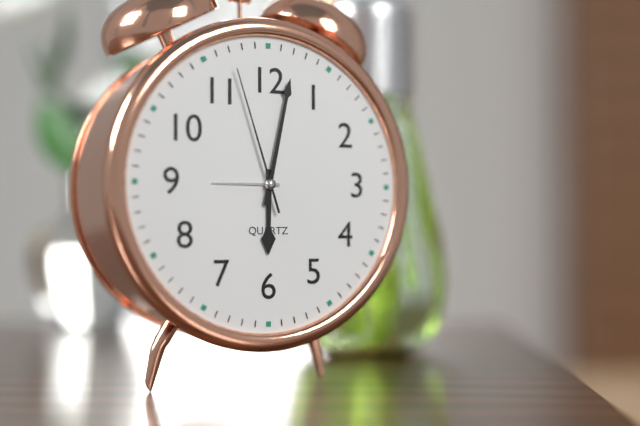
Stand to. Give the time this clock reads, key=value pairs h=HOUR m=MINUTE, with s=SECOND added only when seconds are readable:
h=6 m=2 s=57
